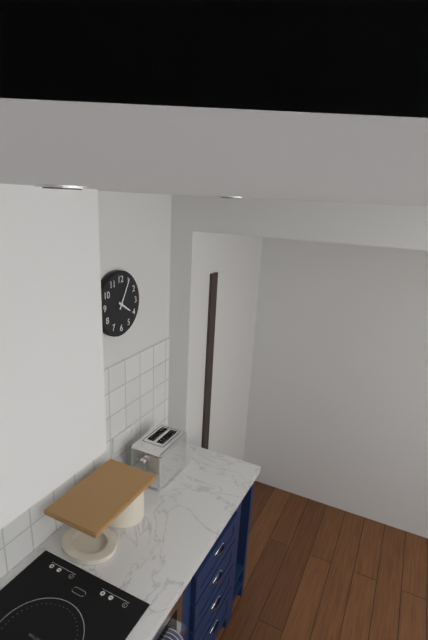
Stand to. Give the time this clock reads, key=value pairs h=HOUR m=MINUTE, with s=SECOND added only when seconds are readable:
h=4 m=5
